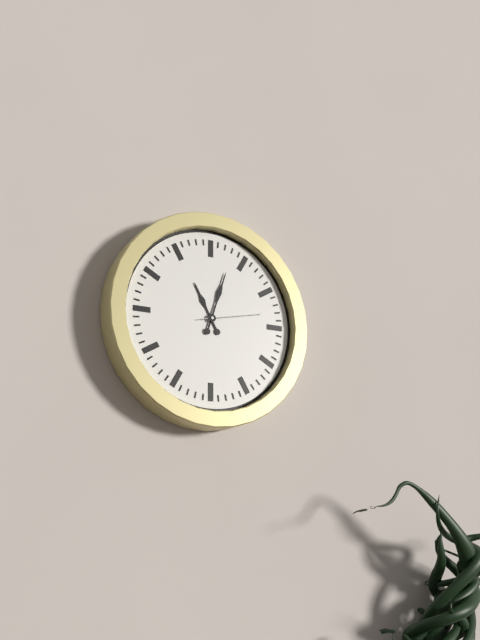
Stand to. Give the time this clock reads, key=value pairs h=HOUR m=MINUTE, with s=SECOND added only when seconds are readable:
h=11 m=3 s=13
